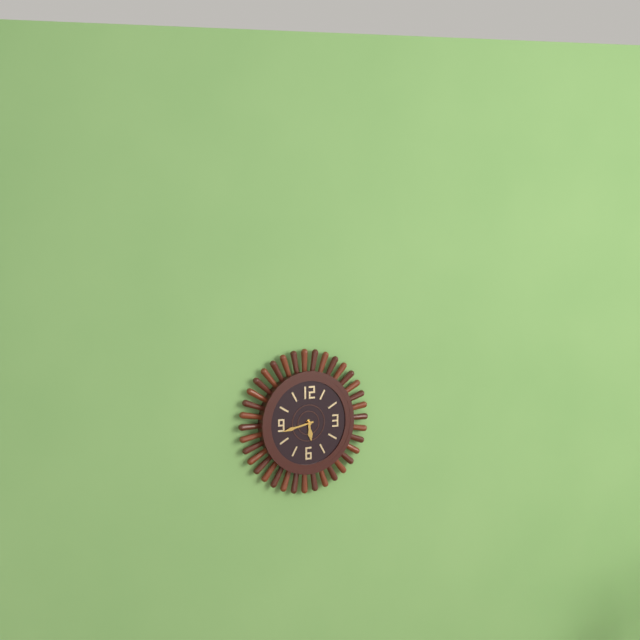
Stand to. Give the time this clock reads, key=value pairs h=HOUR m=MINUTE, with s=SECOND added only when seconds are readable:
h=5 m=43
